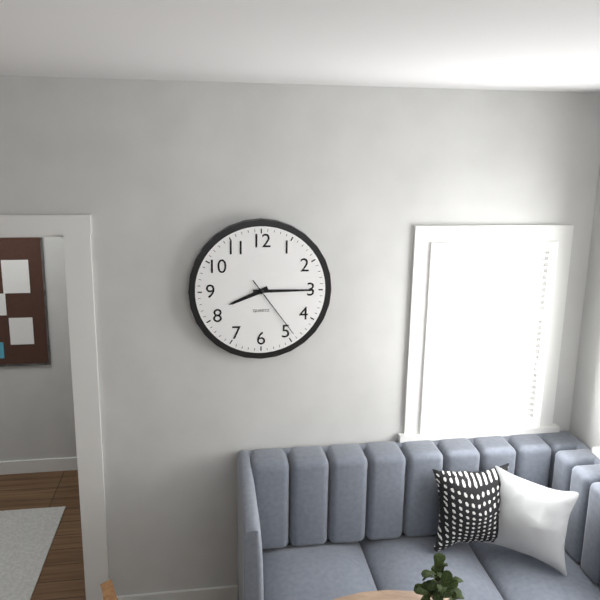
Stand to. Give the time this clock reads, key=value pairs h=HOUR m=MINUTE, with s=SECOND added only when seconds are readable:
h=8 m=15 s=24
